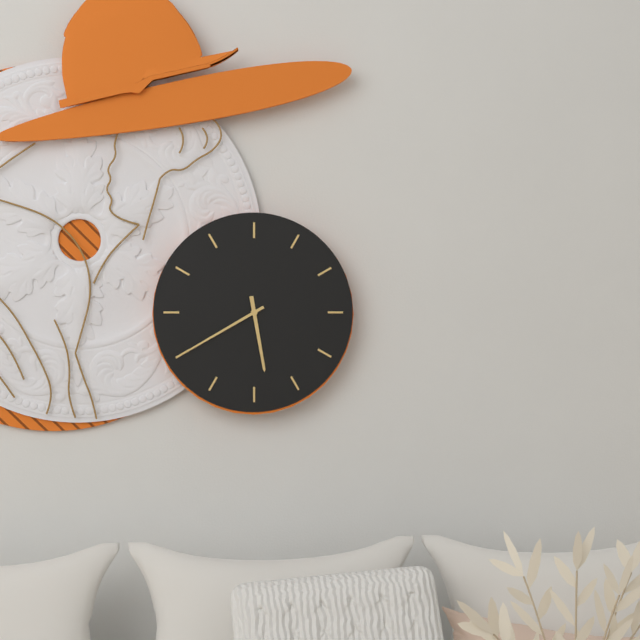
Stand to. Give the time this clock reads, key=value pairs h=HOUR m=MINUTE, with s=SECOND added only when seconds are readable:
h=5 m=40
